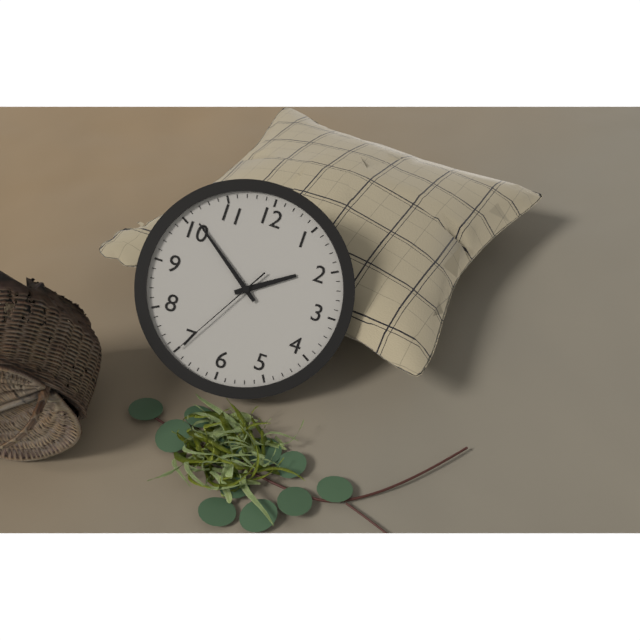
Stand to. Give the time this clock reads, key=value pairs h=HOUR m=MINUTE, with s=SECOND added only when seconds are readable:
h=1 m=51 s=35
